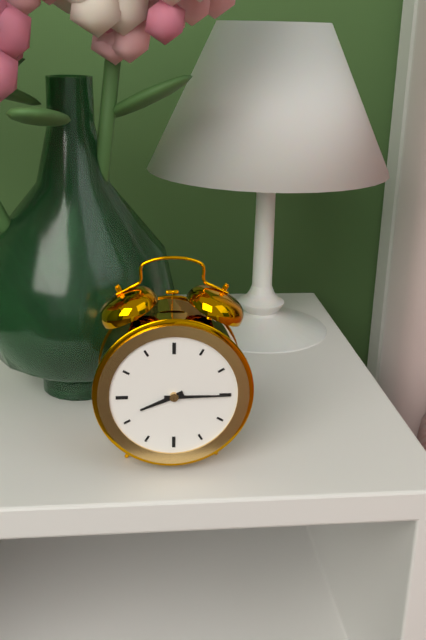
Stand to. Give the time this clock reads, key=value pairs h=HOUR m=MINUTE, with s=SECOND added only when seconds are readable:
h=8 m=15
